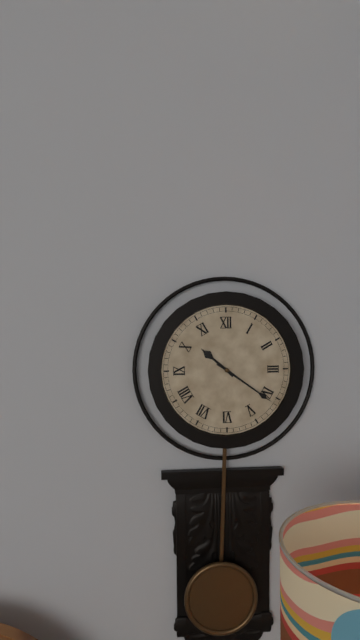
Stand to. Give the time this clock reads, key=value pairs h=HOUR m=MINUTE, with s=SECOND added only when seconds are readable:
h=10 m=21
